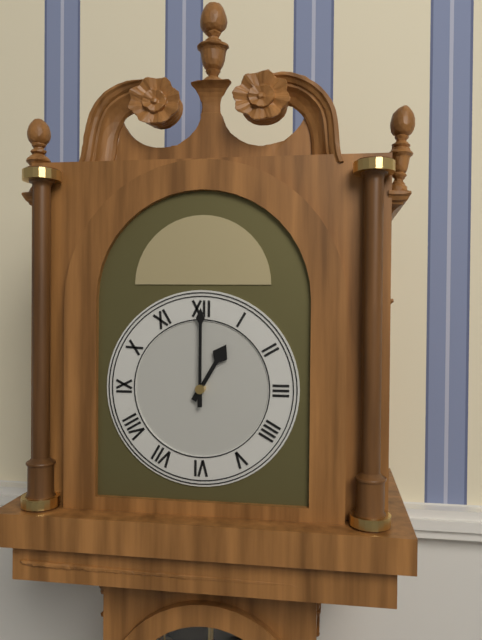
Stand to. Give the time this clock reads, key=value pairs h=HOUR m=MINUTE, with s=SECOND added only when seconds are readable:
h=1 m=0
